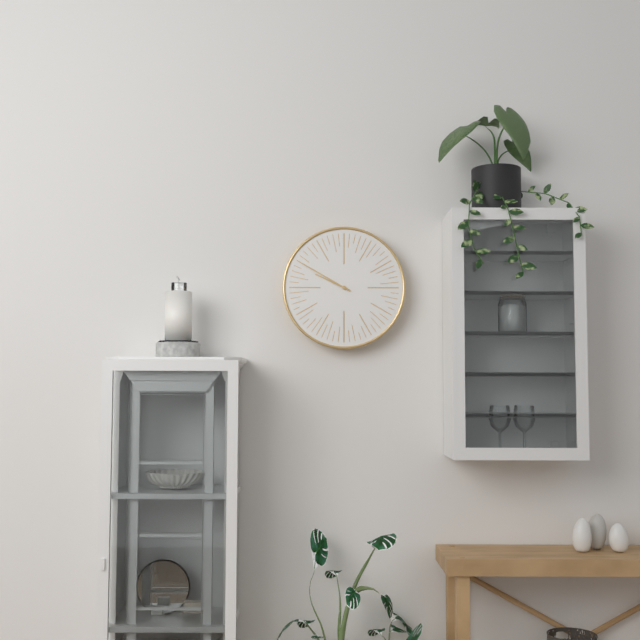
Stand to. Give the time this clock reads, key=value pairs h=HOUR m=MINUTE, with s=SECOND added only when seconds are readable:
h=9 m=50
